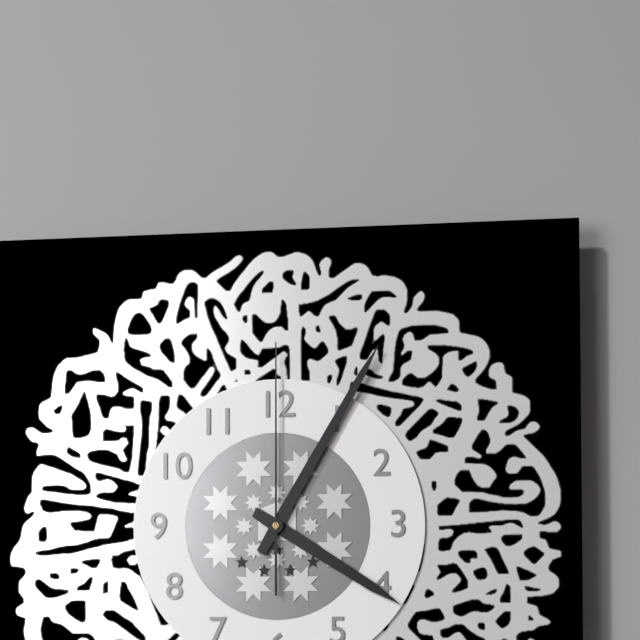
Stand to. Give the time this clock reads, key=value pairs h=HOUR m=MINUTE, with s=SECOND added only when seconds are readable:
h=4 m=5 s=0
